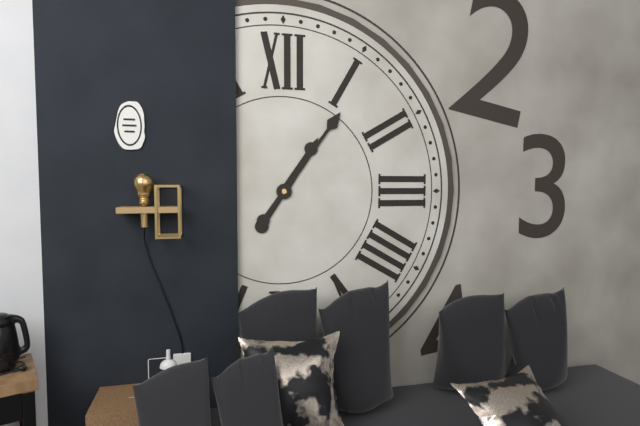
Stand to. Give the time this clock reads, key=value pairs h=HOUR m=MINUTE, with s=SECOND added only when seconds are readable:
h=1 m=6
